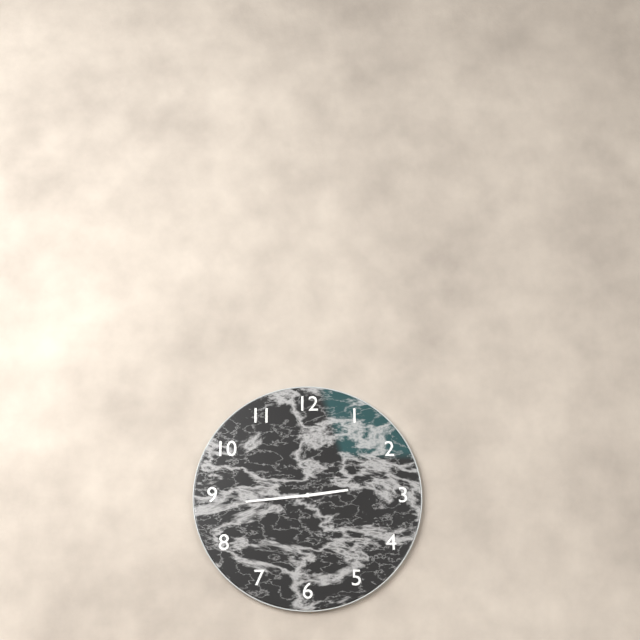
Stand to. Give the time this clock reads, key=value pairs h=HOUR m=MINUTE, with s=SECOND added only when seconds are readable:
h=2 m=44
